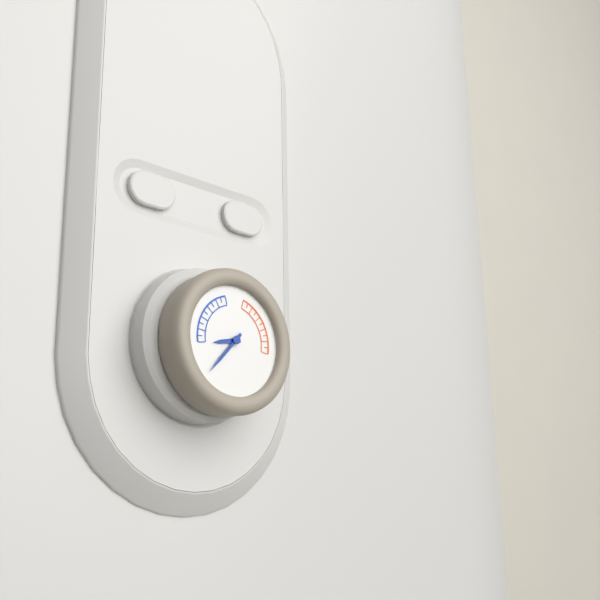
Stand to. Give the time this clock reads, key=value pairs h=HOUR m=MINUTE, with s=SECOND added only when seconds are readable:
h=8 m=37
